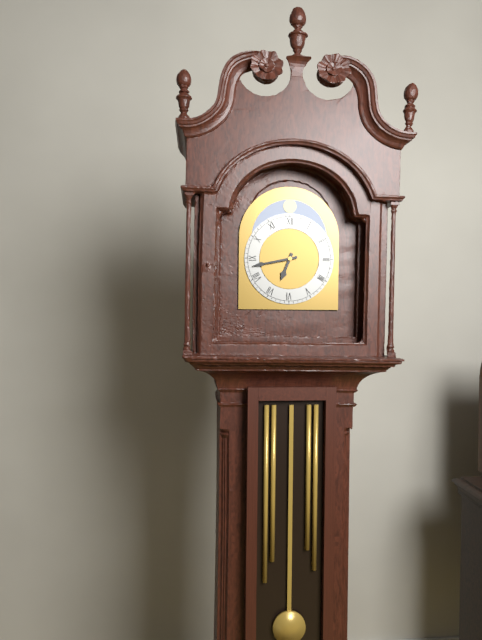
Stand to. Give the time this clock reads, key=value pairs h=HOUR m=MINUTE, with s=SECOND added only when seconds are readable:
h=6 m=43
